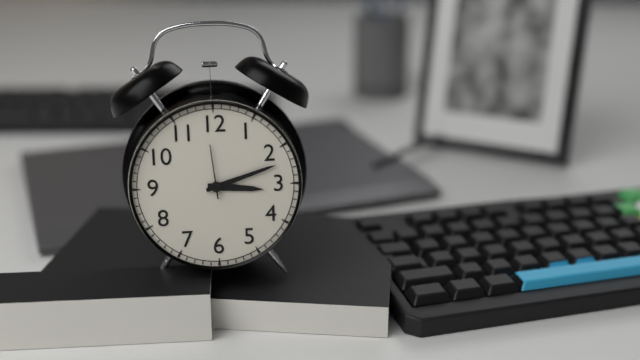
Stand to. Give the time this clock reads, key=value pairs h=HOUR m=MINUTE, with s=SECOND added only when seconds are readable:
h=3 m=12
